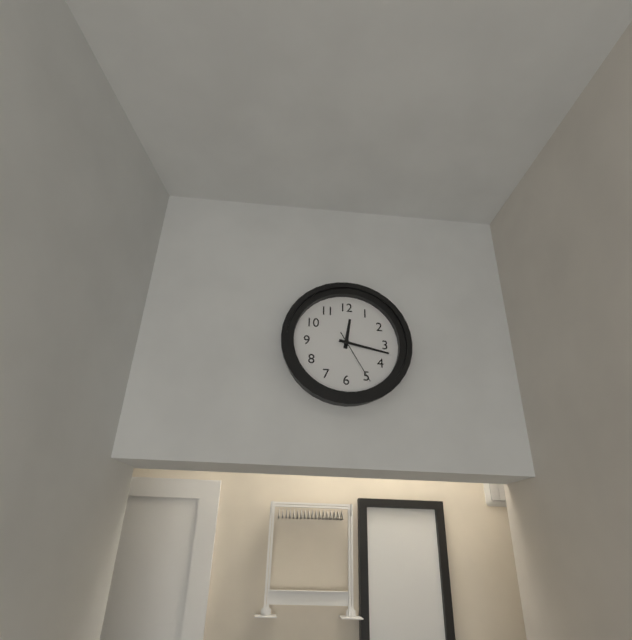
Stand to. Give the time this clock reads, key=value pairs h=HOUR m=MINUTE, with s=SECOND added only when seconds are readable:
h=12 m=17 s=25
